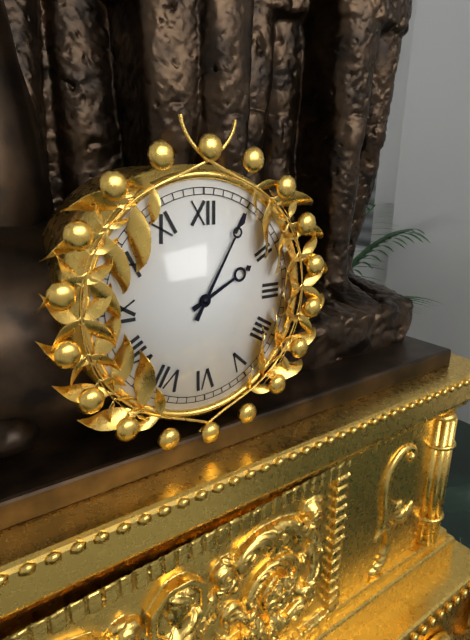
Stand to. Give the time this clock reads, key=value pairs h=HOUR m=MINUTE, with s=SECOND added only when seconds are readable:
h=2 m=5
